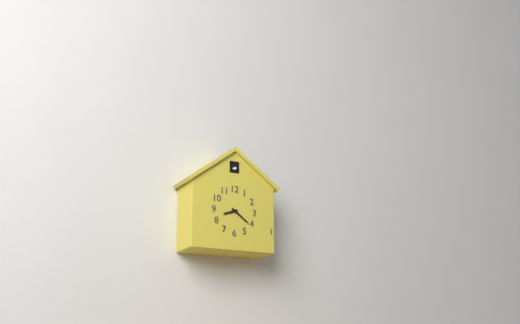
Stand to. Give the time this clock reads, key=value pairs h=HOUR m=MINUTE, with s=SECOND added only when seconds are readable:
h=8 m=21
